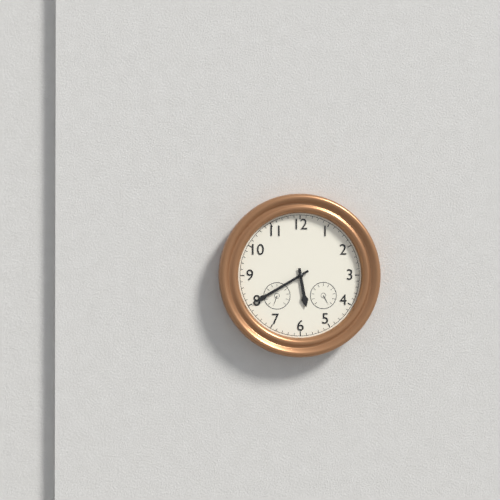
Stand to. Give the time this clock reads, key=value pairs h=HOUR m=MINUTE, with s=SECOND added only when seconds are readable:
h=5 m=40
